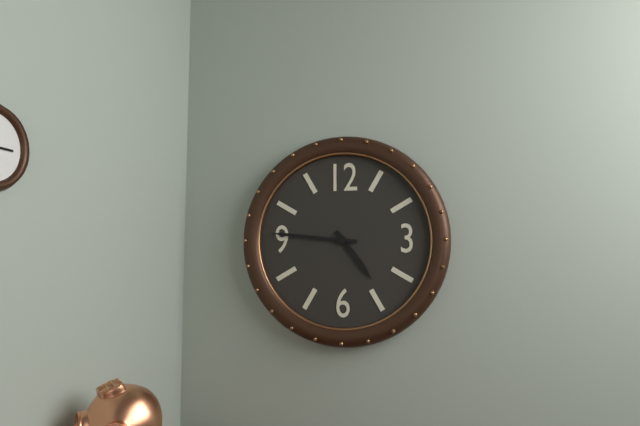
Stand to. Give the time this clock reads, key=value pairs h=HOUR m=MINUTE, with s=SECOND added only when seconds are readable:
h=4 m=46
